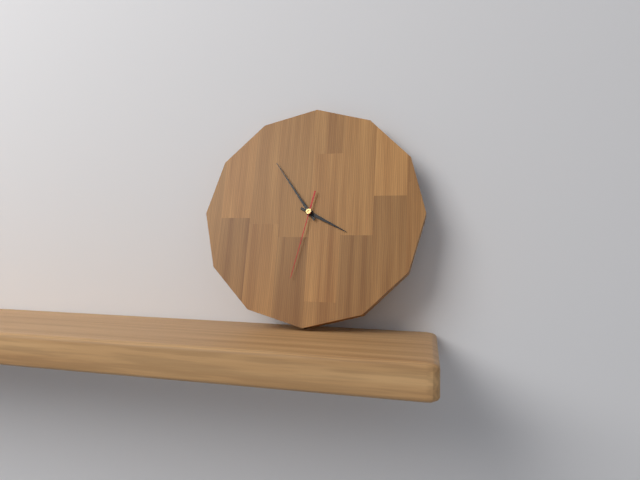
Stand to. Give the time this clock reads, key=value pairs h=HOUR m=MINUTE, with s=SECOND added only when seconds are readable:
h=3 m=54 s=32
